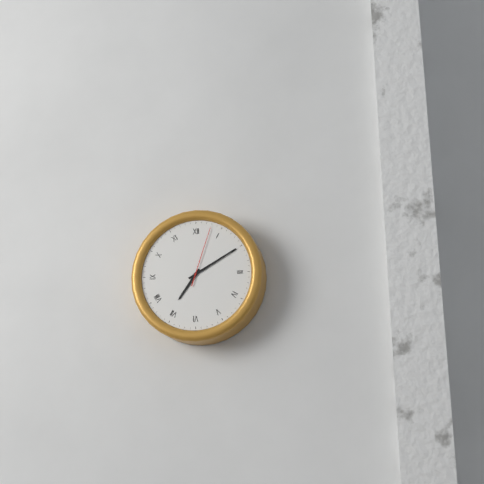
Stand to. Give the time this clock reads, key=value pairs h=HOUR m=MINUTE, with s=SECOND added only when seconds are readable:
h=7 m=10 s=3
